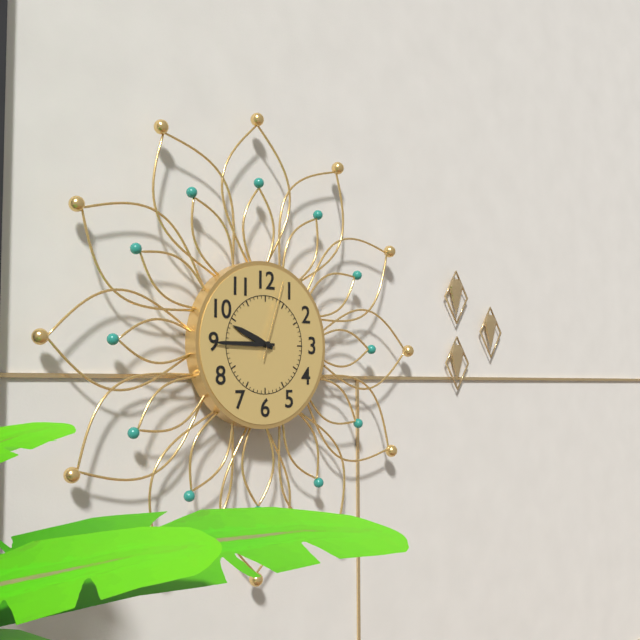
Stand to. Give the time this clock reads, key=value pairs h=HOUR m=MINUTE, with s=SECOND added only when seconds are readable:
h=9 m=45 s=3
